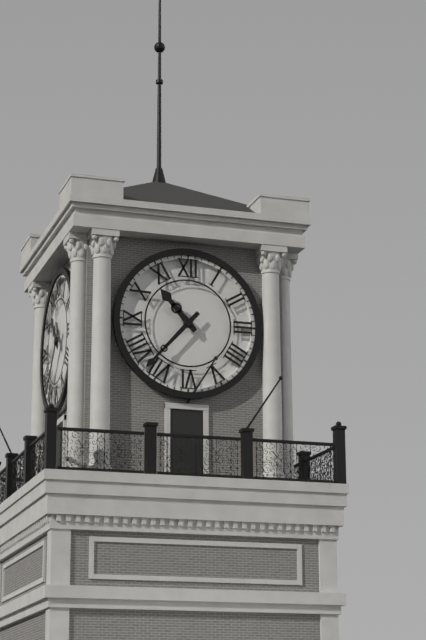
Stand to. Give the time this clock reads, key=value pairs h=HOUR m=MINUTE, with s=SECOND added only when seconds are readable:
h=10 m=37
